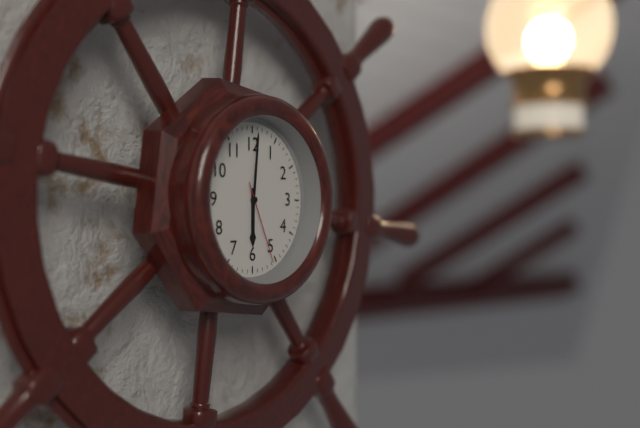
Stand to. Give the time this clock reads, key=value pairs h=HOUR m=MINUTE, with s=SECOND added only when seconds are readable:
h=6 m=1 s=26
